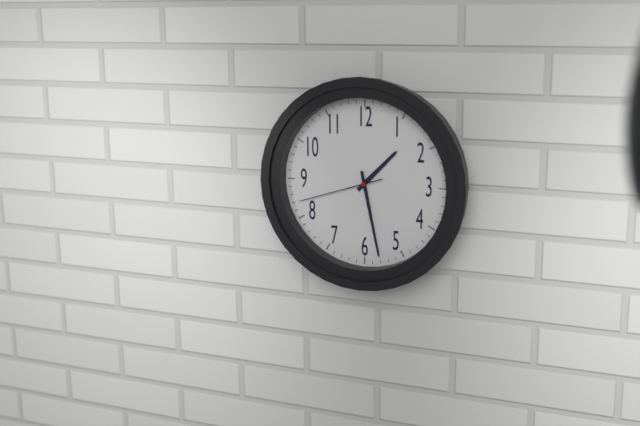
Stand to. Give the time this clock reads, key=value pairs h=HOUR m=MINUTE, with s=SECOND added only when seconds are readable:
h=1 m=28 s=42
